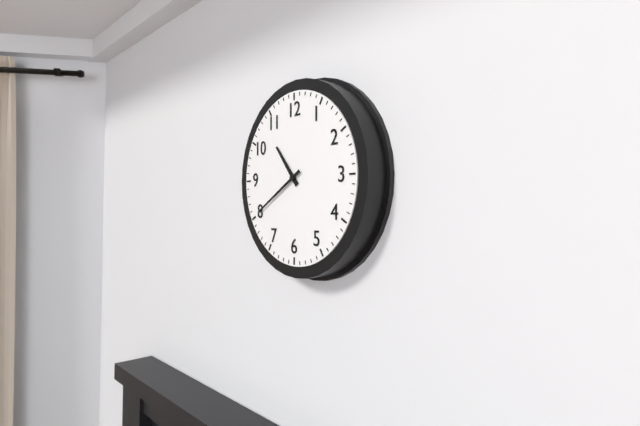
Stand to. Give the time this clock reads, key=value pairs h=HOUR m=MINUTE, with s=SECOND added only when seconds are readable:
h=10 m=40
